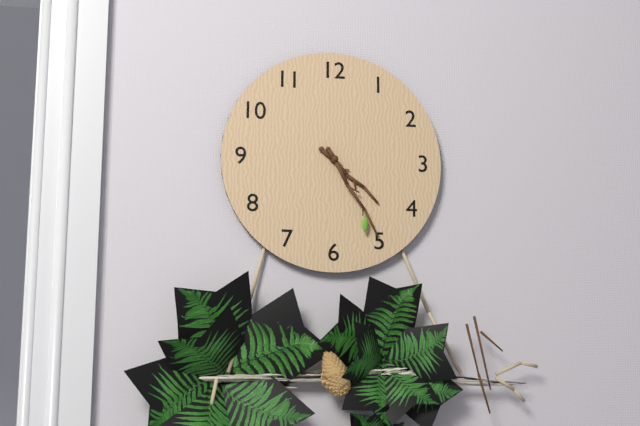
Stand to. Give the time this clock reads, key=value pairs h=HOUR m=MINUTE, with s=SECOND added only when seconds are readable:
h=4 m=25
